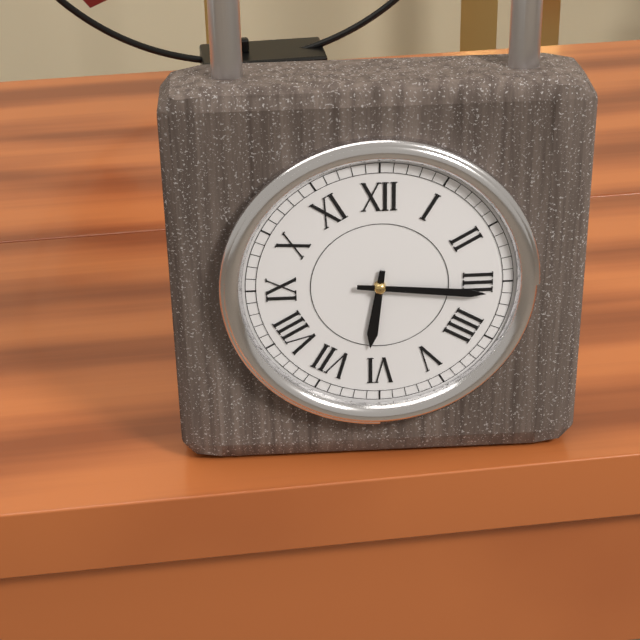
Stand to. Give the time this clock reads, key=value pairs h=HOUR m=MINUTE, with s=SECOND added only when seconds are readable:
h=6 m=16
